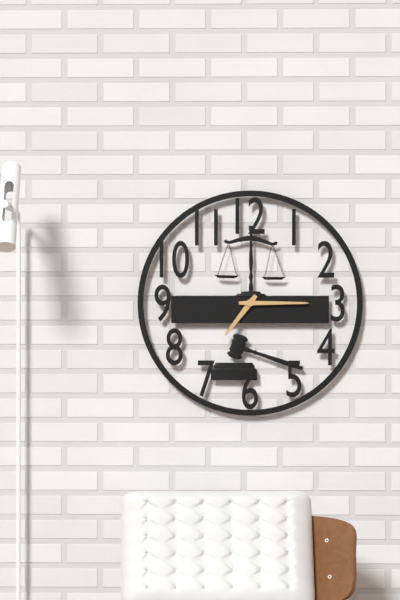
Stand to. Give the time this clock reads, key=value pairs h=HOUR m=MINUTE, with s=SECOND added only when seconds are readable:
h=7 m=15
